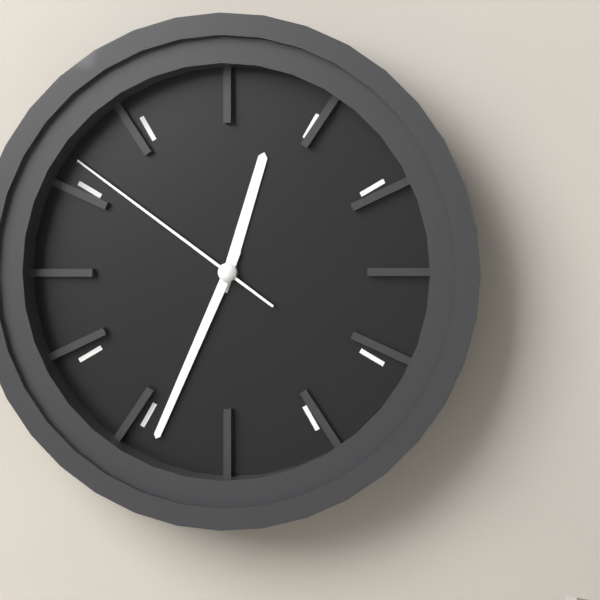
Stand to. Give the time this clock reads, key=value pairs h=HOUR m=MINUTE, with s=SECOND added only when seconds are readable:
h=12 m=34 s=51
